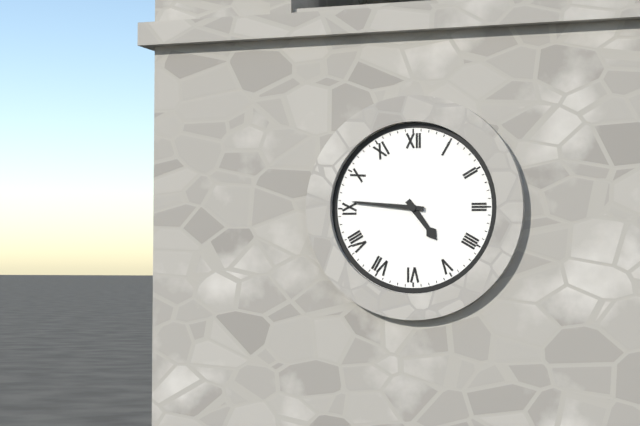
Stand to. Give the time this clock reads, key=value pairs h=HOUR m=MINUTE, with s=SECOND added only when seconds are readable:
h=4 m=46
